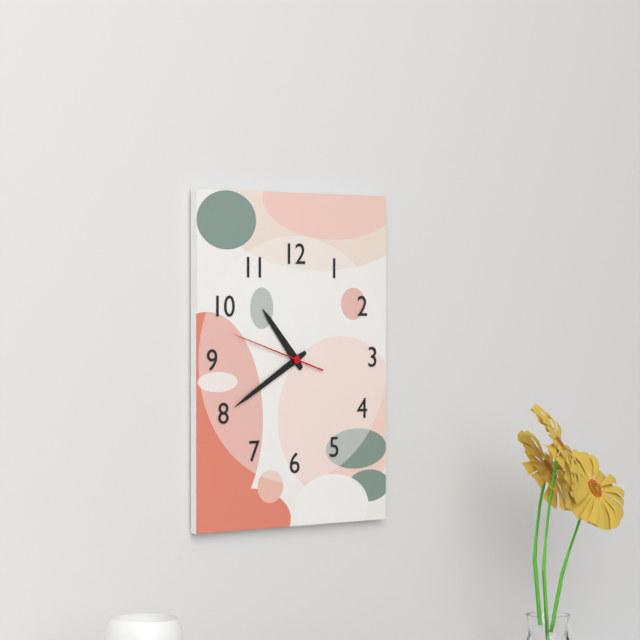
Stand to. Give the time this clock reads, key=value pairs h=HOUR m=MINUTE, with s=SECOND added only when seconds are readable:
h=10 m=40 s=48
